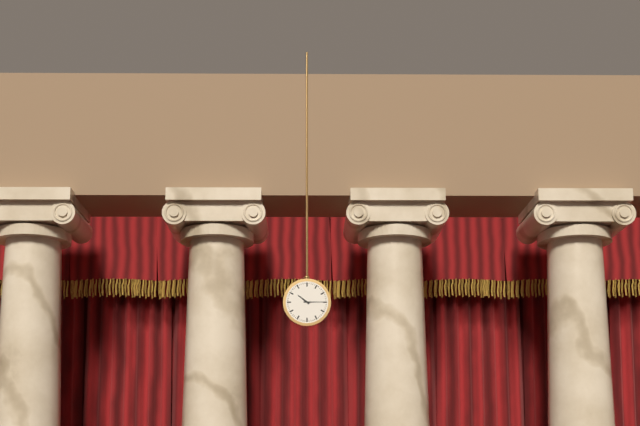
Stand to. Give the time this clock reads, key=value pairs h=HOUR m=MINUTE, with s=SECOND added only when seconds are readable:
h=10 m=15
